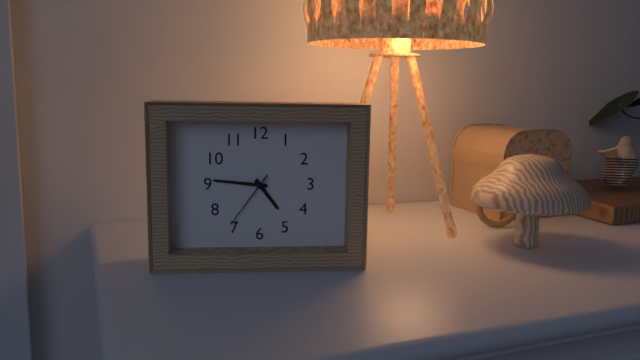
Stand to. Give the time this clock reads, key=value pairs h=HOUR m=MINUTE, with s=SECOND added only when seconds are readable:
h=4 m=46 s=36
